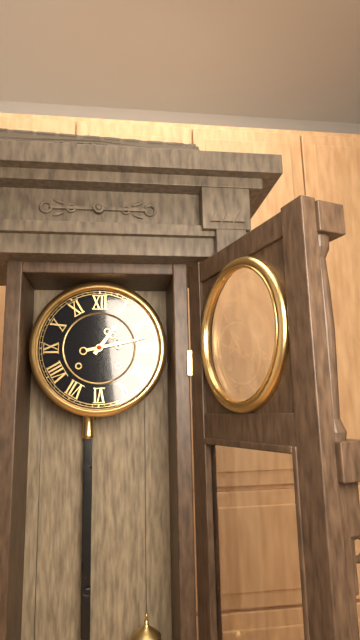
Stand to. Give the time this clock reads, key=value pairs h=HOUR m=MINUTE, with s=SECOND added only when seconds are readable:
h=1 m=13
